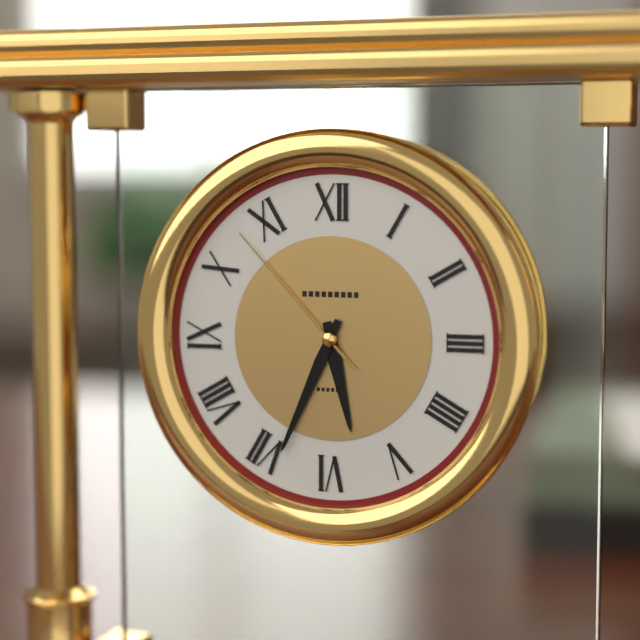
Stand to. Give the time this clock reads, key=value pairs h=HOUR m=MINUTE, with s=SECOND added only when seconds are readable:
h=5 m=34 s=53
